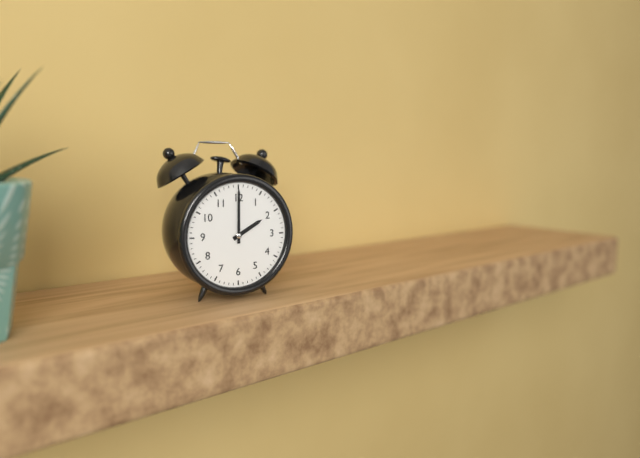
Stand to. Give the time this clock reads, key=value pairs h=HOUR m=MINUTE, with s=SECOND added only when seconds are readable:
h=2 m=0
